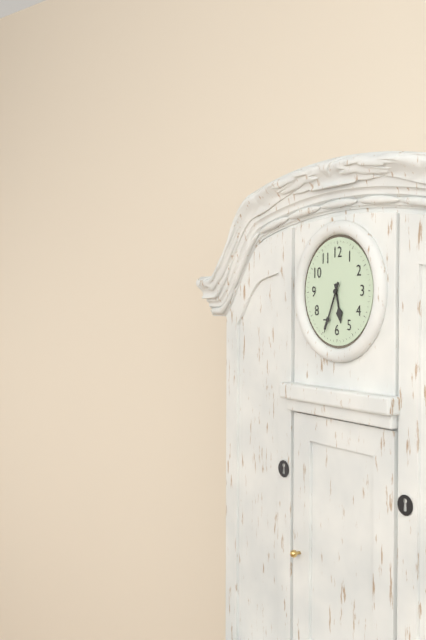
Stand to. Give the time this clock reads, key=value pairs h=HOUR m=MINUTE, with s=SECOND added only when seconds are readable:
h=5 m=34
